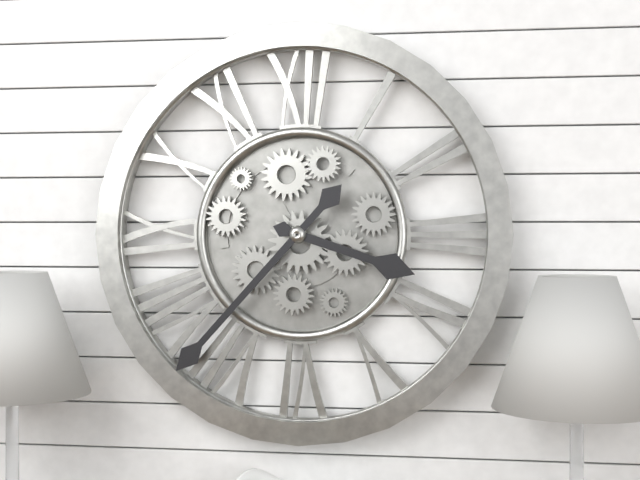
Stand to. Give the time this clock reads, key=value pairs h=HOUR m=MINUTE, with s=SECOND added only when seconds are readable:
h=3 m=37
